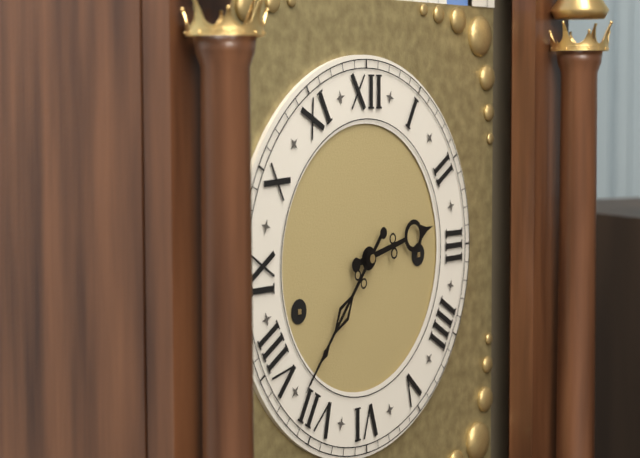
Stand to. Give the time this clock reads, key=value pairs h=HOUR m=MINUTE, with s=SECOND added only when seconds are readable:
h=2 m=37
